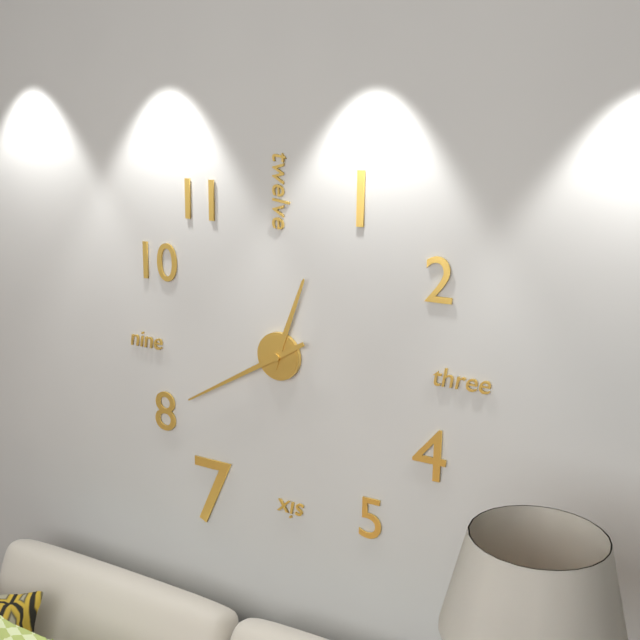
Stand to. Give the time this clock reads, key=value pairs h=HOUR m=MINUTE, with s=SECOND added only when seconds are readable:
h=12 m=40
